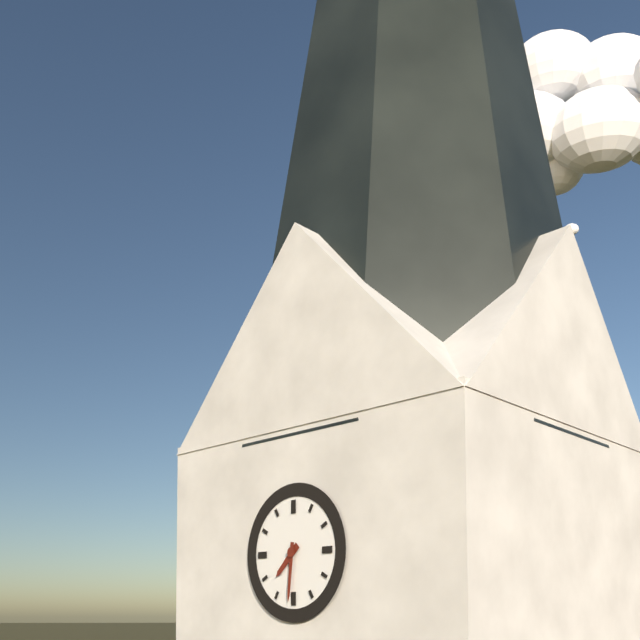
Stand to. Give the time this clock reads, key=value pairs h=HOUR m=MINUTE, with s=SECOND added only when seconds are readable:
h=7 m=31
